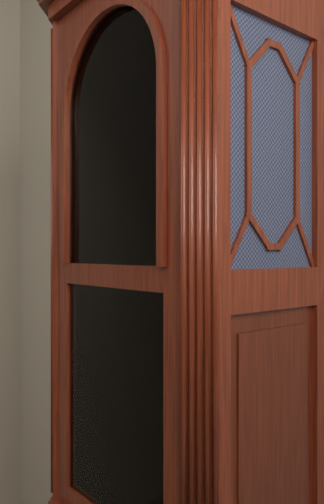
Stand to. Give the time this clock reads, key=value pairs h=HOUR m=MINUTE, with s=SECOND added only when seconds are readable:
h=10 m=42
